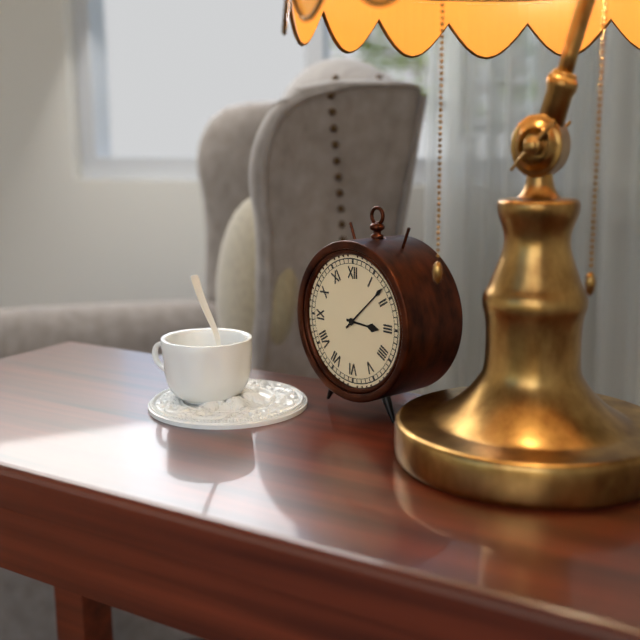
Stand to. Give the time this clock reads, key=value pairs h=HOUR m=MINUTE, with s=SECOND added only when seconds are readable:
h=3 m=8
